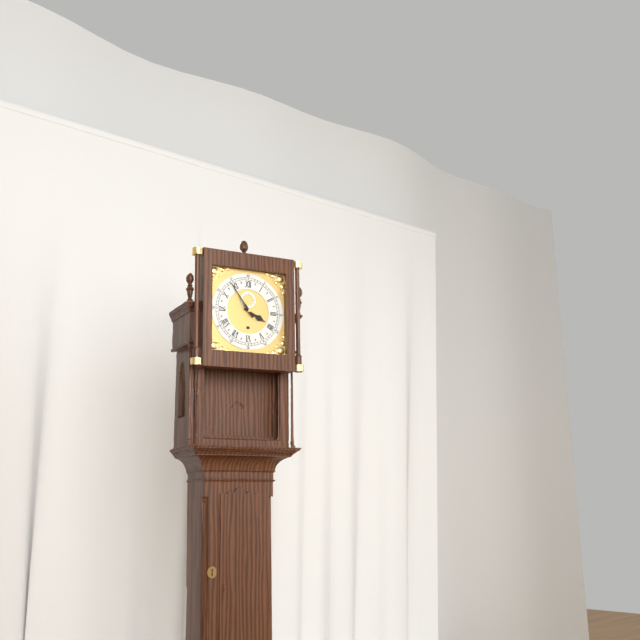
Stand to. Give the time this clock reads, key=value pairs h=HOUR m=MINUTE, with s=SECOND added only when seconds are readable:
h=3 m=54
